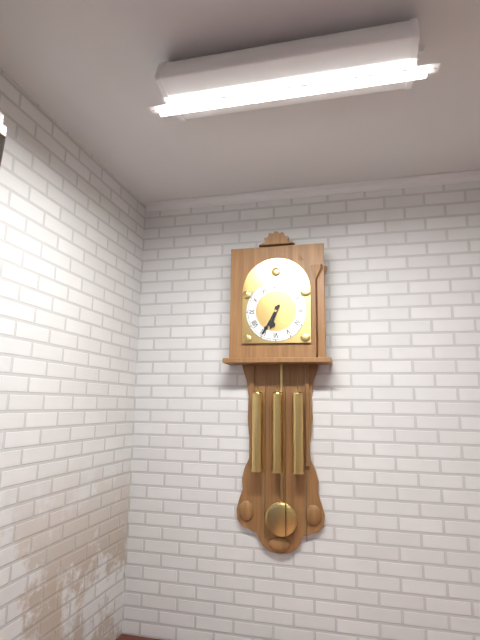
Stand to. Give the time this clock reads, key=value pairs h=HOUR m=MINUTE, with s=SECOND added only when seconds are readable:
h=6 m=35
